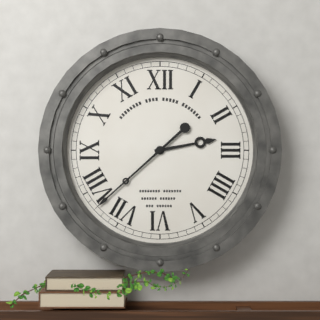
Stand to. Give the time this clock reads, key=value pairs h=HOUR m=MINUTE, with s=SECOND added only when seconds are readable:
h=2 m=38
